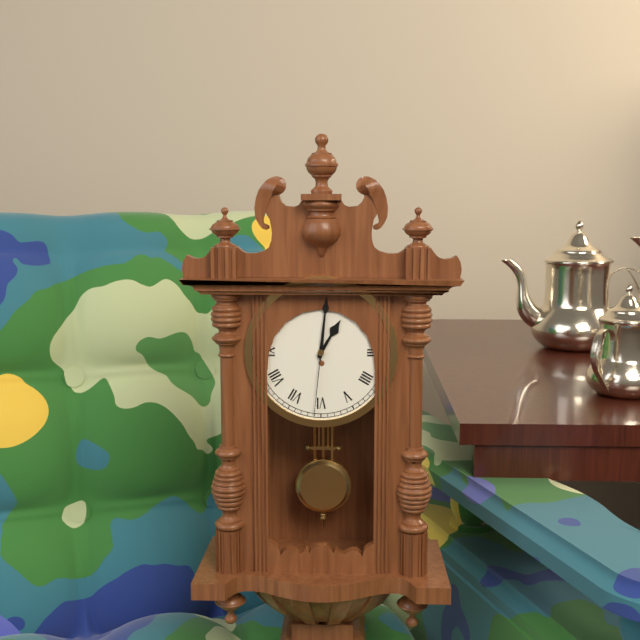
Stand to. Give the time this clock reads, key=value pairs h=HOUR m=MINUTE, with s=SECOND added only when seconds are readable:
h=1 m=1 s=31
